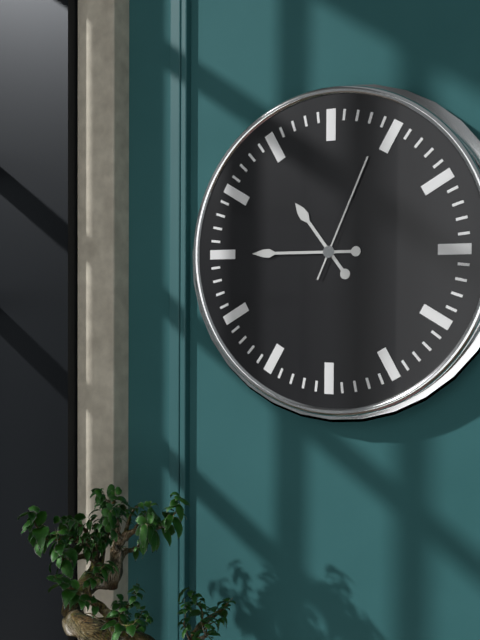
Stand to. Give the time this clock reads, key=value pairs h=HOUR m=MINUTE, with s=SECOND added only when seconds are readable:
h=10 m=45 s=4
